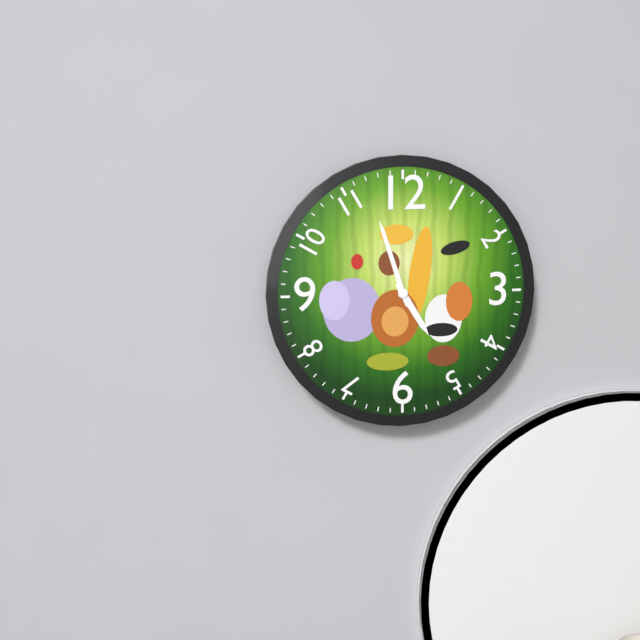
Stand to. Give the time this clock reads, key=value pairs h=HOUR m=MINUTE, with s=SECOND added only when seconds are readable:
h=4 m=57
